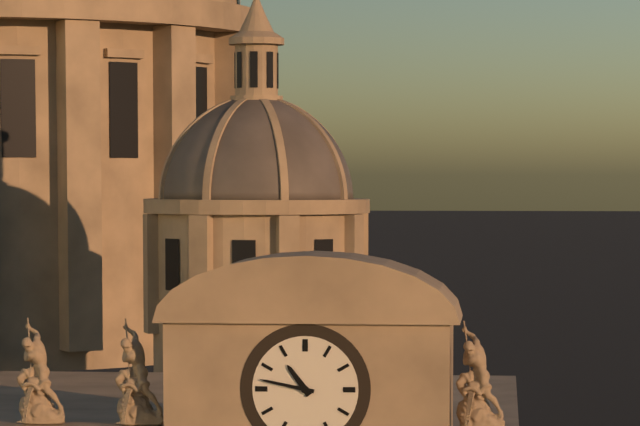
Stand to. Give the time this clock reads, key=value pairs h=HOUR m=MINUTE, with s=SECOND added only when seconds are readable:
h=10 m=47
